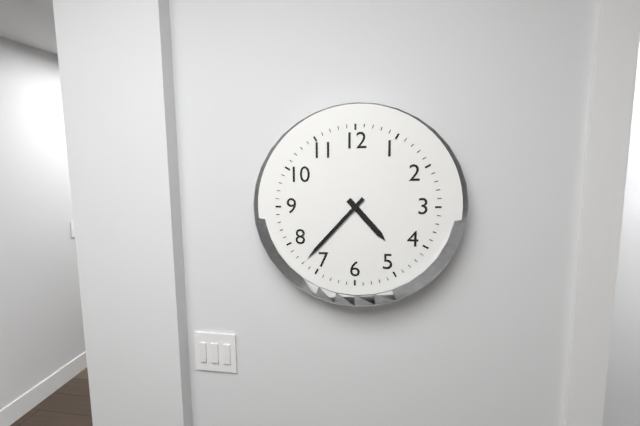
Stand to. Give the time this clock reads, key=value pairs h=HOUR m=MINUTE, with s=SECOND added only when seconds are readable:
h=4 m=37
